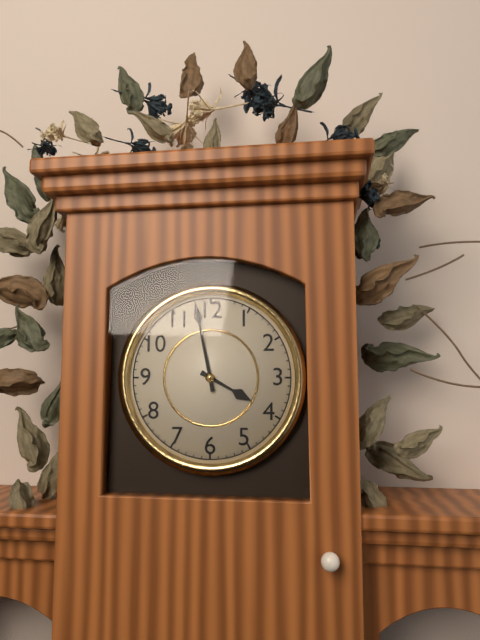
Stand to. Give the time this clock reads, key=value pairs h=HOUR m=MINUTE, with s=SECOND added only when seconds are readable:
h=3 m=58
